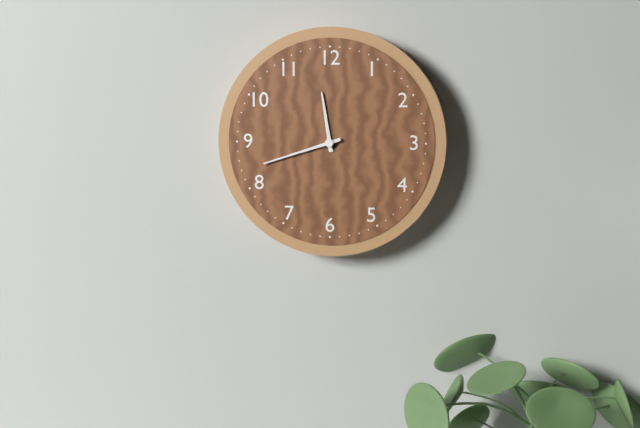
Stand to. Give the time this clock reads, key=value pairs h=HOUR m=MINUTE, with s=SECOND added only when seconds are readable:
h=11 m=42
